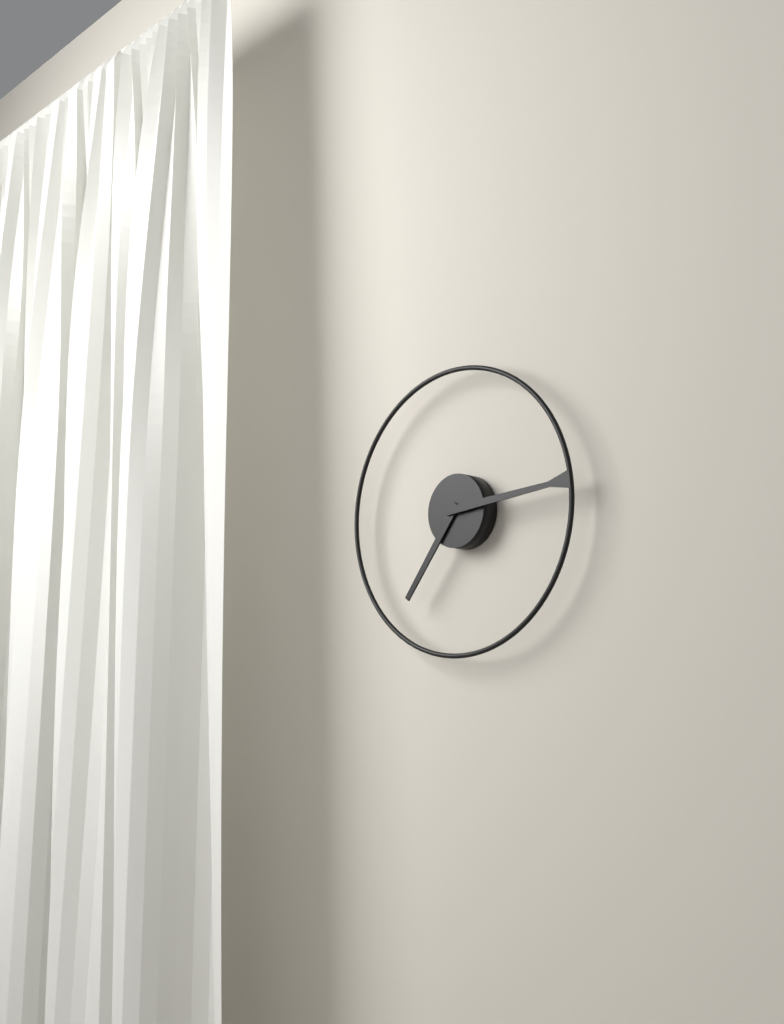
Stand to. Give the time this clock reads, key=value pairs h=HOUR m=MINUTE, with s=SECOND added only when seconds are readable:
h=7 m=14
